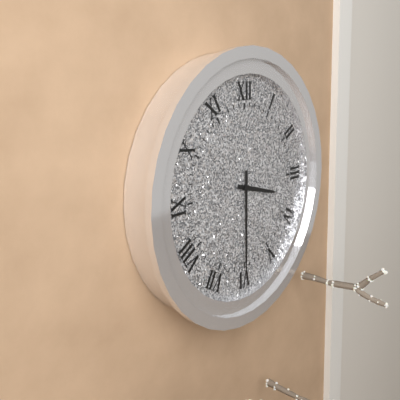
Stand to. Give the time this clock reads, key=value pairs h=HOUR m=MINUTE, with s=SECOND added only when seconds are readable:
h=3 m=30
